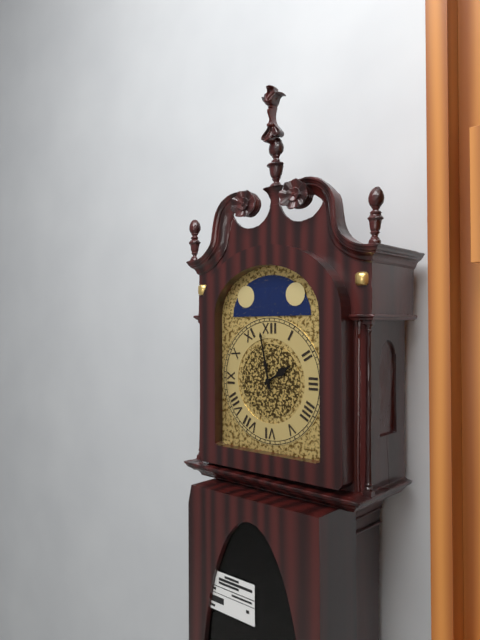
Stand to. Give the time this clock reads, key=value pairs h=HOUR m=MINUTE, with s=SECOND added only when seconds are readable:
h=1 m=58
